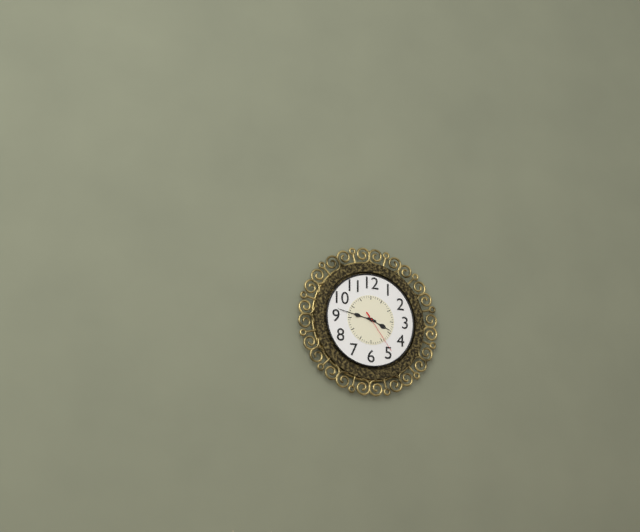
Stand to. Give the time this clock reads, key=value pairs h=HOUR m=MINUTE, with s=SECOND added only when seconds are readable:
h=3 m=47
